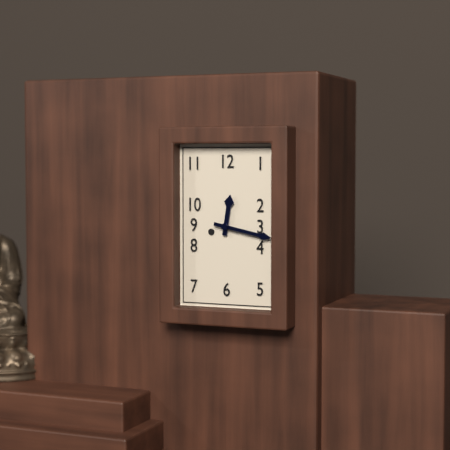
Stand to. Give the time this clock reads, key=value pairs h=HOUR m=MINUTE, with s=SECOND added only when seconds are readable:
h=12 m=17
